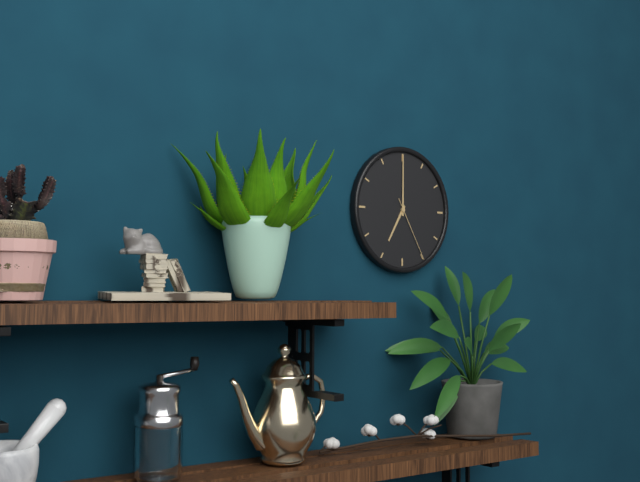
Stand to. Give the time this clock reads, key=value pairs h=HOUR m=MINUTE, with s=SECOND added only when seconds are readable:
h=7 m=0 s=25
